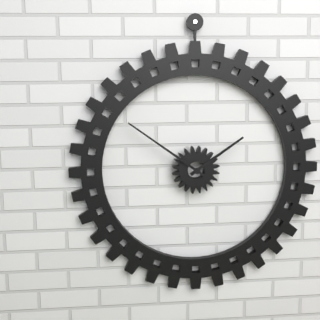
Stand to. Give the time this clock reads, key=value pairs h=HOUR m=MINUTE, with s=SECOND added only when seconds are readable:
h=1 m=51
